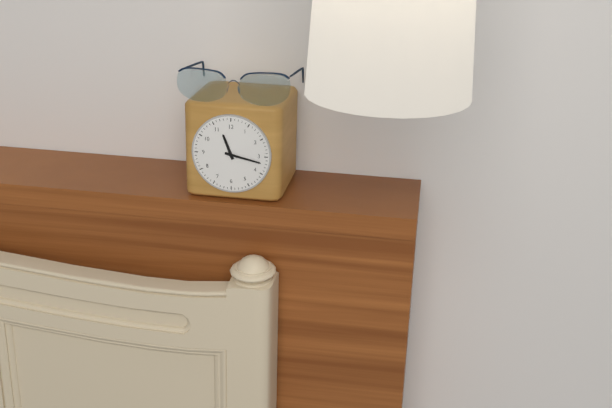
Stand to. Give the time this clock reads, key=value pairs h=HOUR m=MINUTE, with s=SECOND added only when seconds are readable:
h=11 m=17
